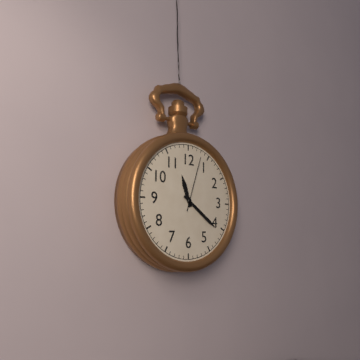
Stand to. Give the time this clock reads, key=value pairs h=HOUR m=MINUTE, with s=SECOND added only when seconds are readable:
h=11 m=21 s=3
